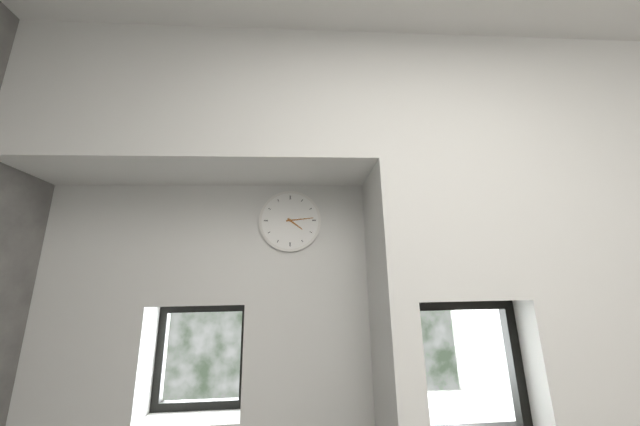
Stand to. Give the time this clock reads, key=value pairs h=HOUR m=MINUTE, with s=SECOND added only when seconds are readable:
h=4 m=14
